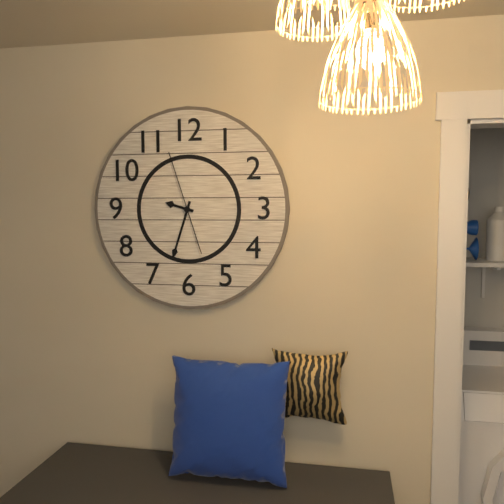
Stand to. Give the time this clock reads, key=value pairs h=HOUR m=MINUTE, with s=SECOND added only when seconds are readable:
h=9 m=33 s=57
